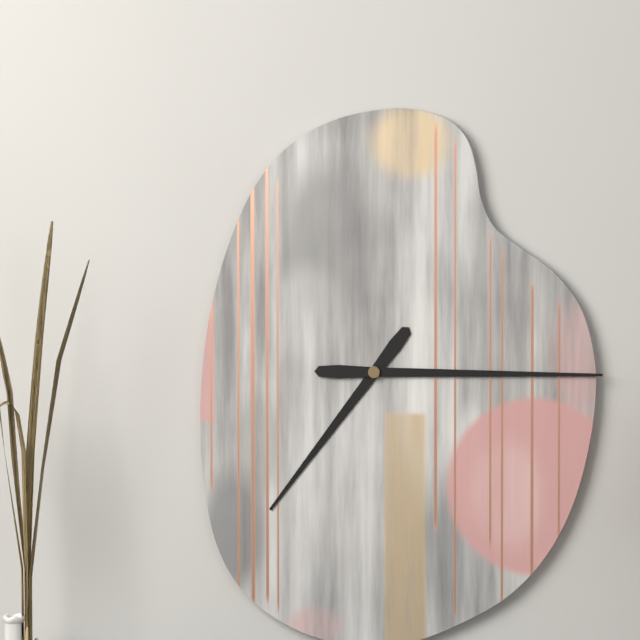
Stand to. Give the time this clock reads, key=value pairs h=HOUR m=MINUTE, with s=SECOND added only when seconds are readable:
h=7 m=15
